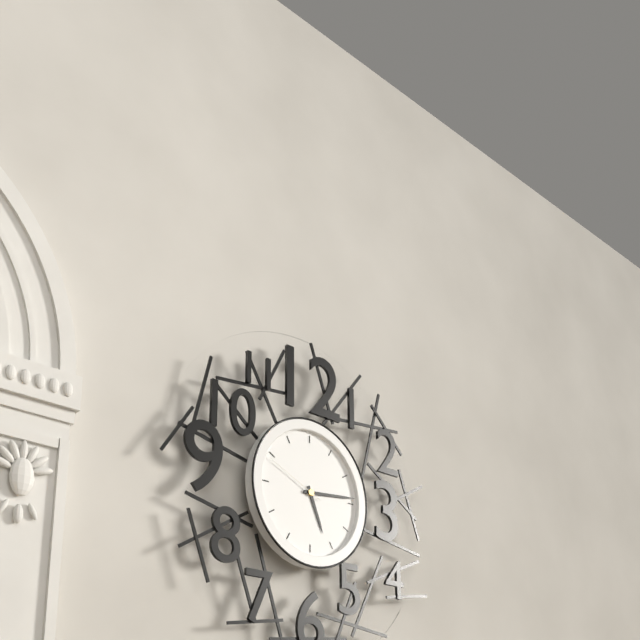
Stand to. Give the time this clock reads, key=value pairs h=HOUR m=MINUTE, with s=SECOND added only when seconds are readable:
h=5 m=14 s=49
